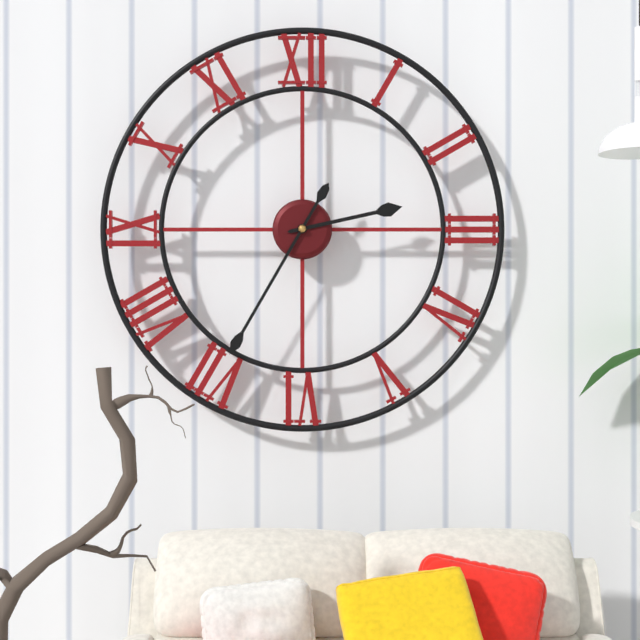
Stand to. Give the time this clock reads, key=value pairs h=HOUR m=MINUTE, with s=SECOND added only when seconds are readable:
h=2 m=35
